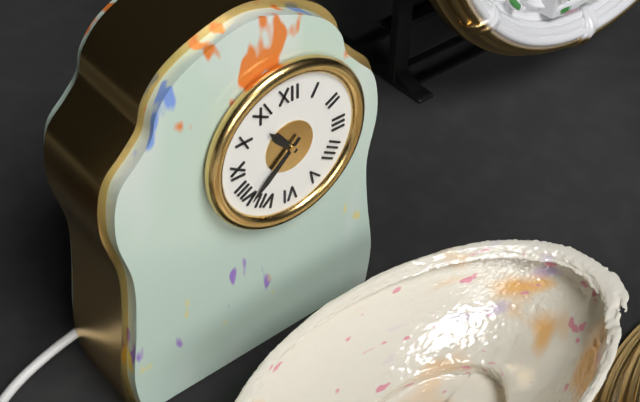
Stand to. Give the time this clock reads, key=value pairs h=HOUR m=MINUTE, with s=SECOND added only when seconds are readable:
h=10 m=38
